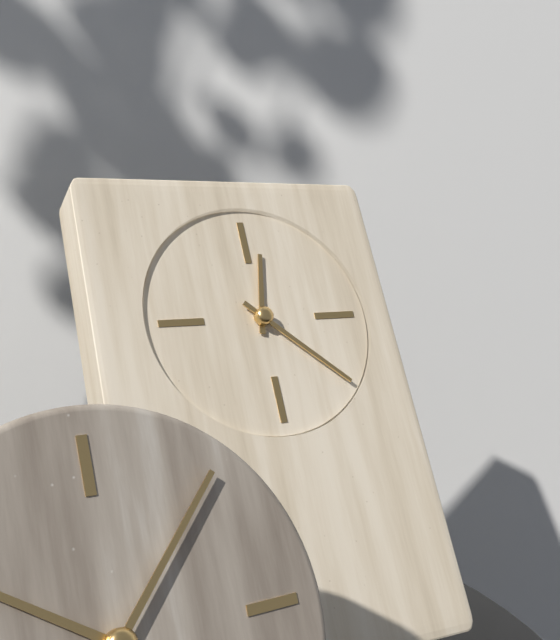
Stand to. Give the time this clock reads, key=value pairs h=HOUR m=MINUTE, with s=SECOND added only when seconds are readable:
h=12 m=22
